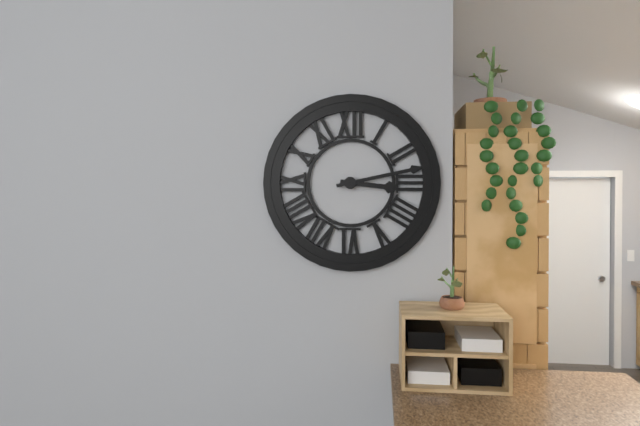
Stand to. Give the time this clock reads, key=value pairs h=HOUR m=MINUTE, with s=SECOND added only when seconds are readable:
h=3 m=13
